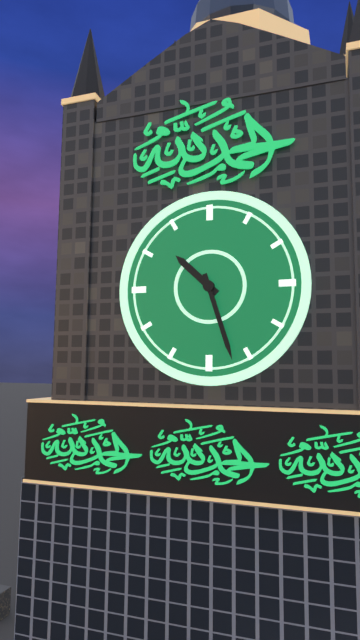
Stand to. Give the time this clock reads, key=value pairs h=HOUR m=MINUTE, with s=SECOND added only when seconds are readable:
h=10 m=27
